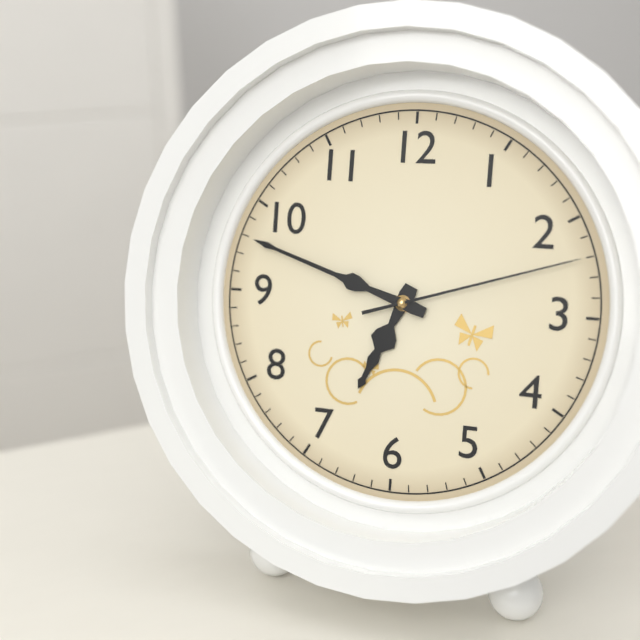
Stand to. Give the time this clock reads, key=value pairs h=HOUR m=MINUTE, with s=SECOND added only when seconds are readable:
h=6 m=48 s=12
